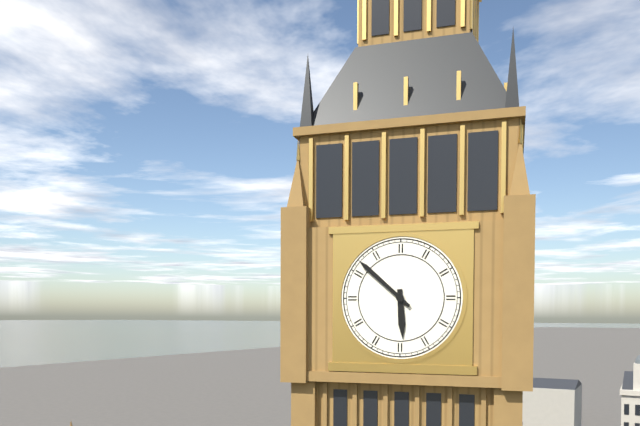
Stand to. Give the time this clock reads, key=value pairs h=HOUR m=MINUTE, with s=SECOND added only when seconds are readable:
h=5 m=52
